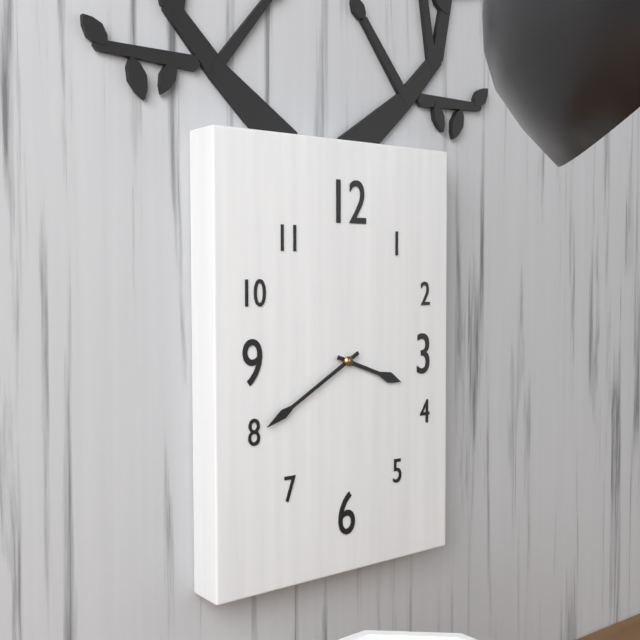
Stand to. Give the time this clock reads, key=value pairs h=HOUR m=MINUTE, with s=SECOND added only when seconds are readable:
h=3 m=40
